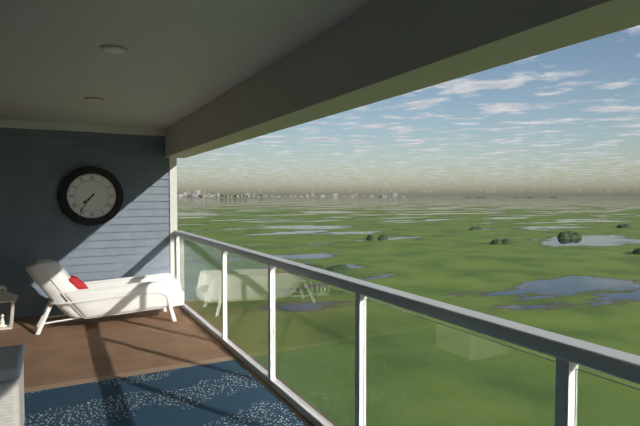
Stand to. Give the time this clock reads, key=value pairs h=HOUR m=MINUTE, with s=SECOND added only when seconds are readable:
h=7 m=36
